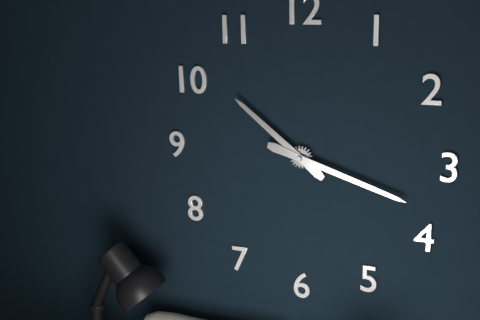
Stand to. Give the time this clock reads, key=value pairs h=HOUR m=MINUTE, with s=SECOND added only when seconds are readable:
h=10 m=18
